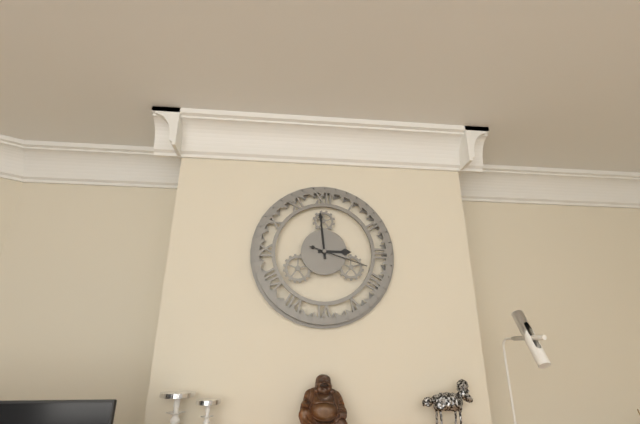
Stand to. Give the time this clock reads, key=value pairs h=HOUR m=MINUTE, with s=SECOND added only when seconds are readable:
h=2 m=59 s=18
